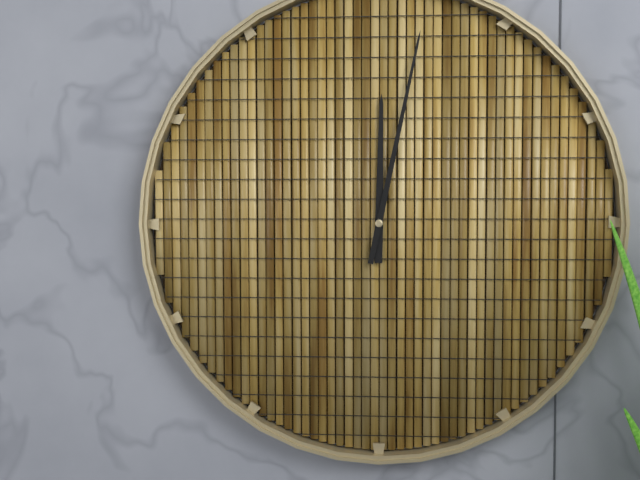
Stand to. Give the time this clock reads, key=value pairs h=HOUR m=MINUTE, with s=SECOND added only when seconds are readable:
h=12 m=2
